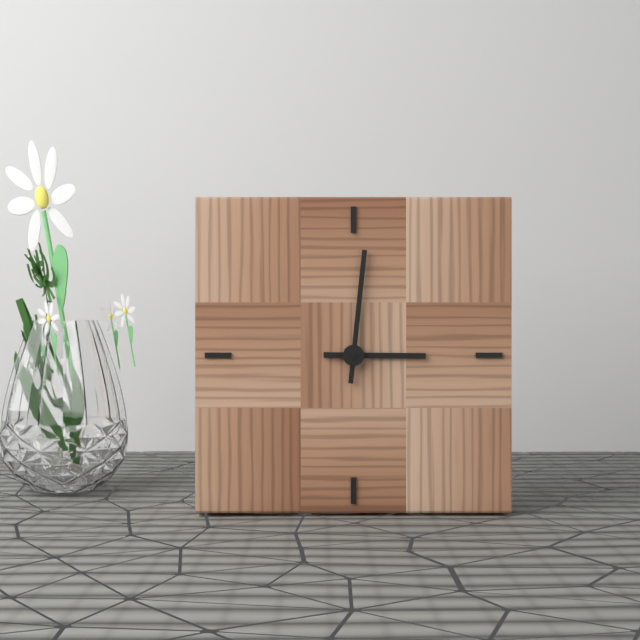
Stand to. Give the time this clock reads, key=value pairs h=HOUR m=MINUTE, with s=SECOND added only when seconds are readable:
h=3 m=1
